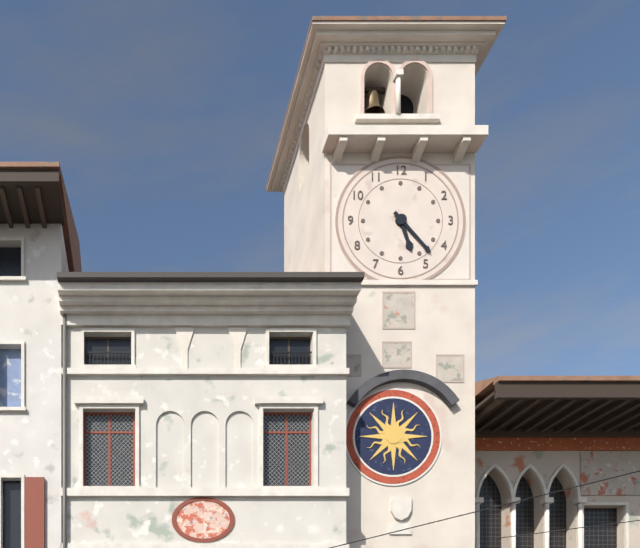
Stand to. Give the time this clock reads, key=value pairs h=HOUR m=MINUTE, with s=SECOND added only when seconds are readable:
h=5 m=23
